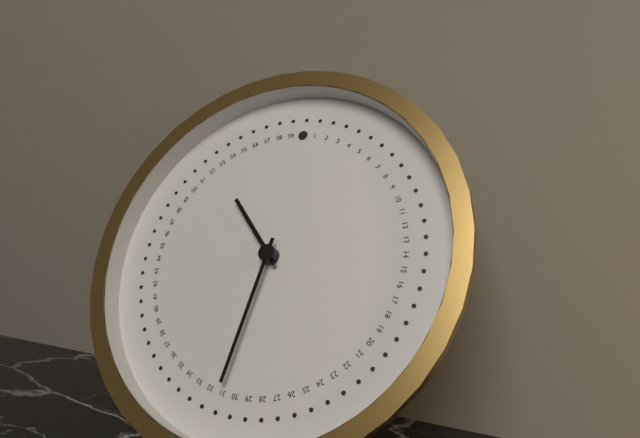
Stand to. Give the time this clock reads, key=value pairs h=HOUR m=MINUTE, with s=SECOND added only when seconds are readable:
h=10 m=31
